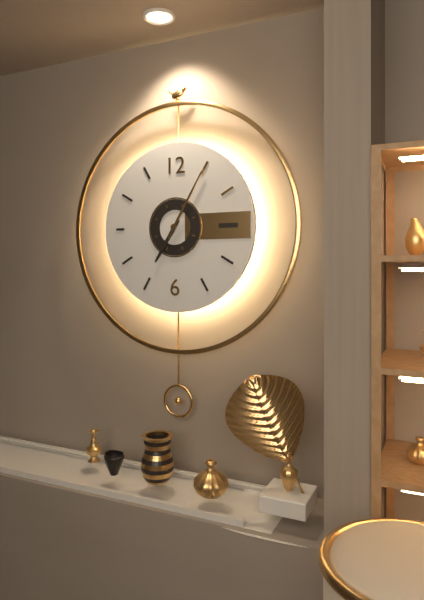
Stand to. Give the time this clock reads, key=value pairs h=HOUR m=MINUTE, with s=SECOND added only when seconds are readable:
h=7 m=5
